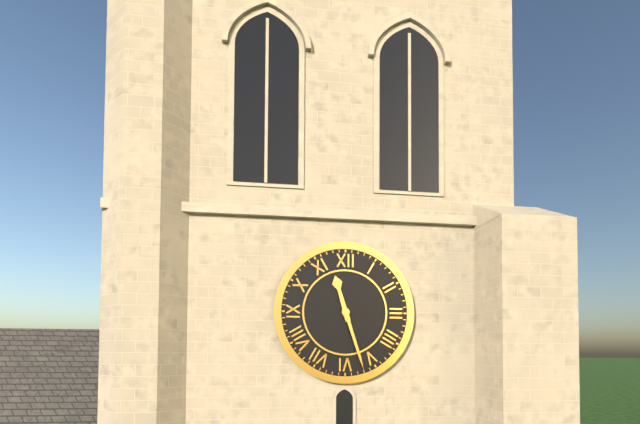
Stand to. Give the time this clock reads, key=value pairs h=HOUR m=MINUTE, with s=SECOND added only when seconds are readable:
h=11 m=27
